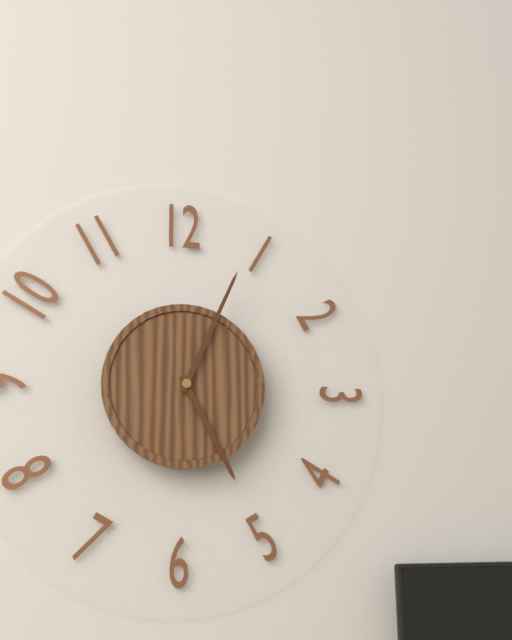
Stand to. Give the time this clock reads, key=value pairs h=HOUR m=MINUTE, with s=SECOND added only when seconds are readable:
h=5 m=4
